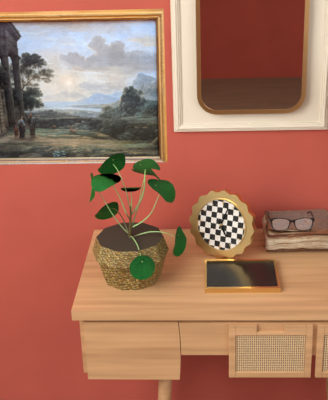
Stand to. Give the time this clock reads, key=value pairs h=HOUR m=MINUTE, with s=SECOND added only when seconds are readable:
h=5 m=3
